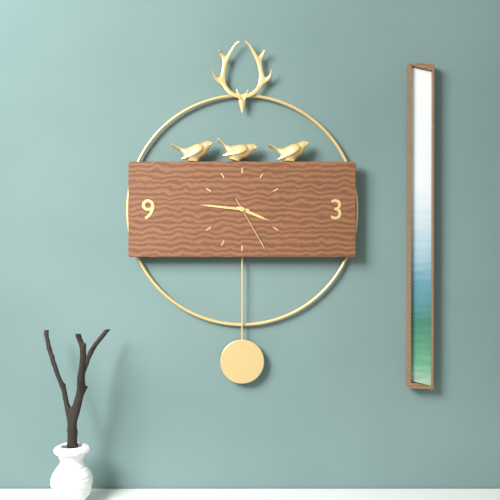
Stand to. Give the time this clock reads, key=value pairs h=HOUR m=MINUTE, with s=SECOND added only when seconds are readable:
h=3 m=46 s=25
